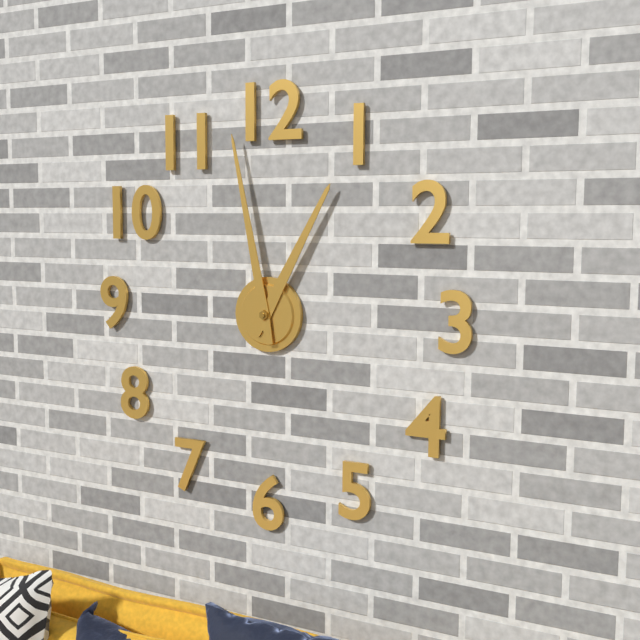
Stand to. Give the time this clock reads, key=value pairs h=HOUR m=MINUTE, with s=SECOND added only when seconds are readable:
h=12 m=58
